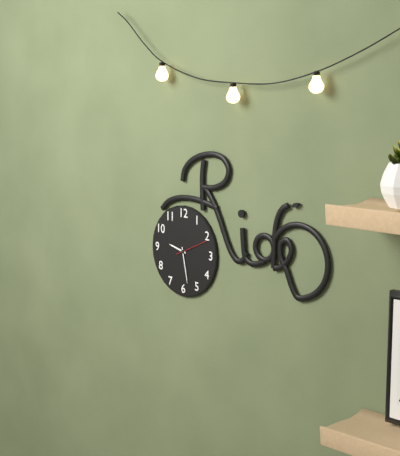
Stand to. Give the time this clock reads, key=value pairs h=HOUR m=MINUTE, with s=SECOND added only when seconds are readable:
h=9 m=28
